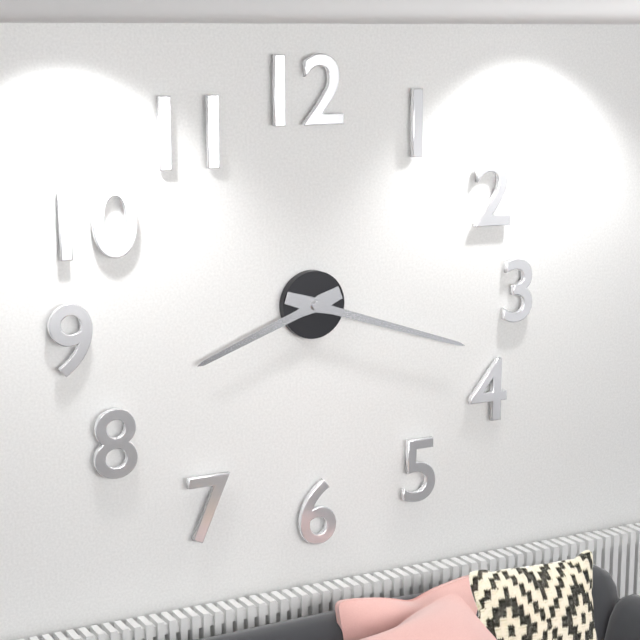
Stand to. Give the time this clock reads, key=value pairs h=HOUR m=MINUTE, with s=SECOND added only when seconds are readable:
h=8 m=18
